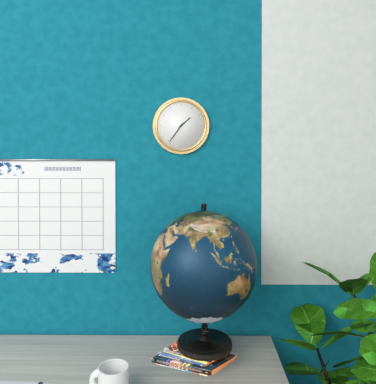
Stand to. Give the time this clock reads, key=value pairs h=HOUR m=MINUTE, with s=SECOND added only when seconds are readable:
h=1 m=36
